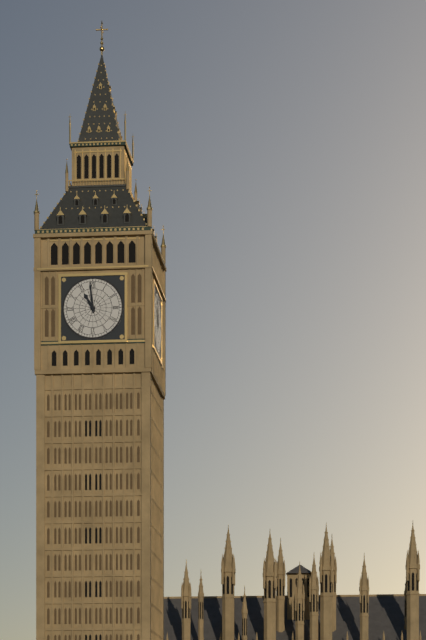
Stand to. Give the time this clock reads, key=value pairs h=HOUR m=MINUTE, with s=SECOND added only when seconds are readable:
h=10 m=59
